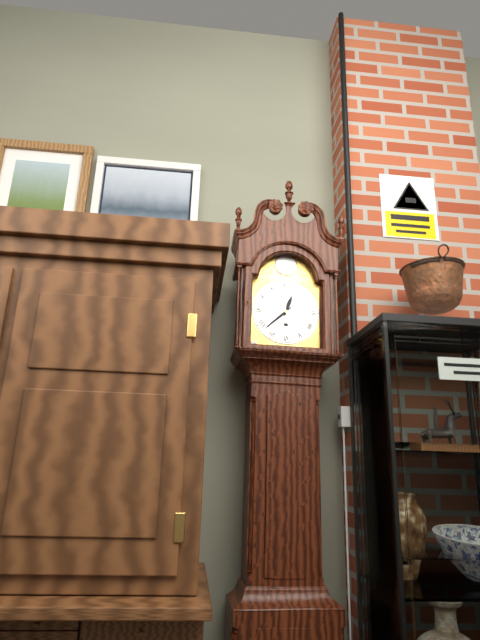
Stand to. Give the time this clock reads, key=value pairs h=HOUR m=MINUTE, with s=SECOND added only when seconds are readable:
h=12 m=38
